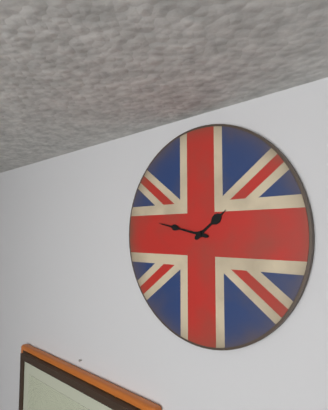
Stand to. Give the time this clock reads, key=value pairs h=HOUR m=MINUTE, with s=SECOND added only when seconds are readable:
h=1 m=47
